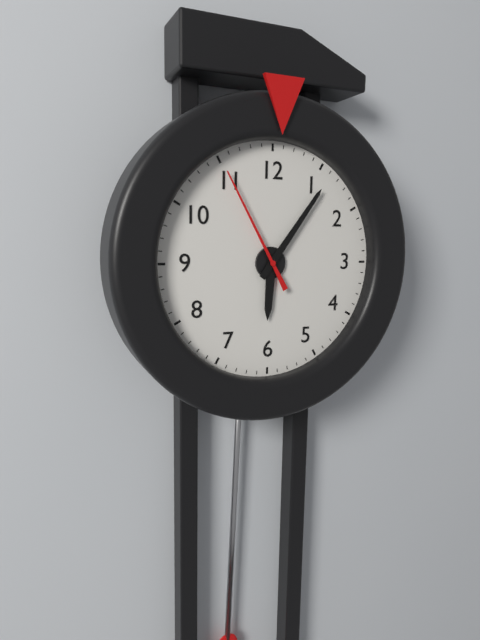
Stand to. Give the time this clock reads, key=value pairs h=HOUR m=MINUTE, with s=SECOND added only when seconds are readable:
h=6 m=6 s=55
